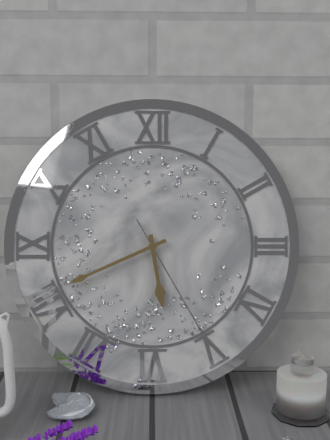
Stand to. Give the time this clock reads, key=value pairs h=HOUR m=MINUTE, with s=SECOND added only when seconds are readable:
h=5 m=41 s=25
